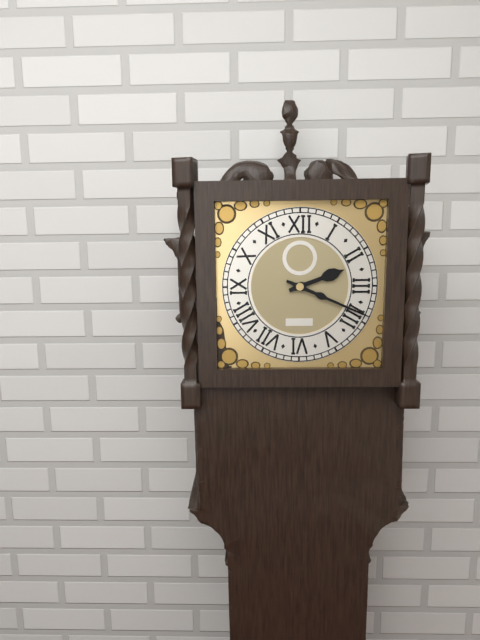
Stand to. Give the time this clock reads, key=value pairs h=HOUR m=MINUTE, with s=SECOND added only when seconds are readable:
h=2 m=19
